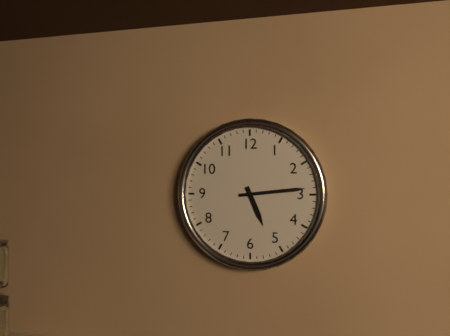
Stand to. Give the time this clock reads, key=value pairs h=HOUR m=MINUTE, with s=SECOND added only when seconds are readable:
h=5 m=14
